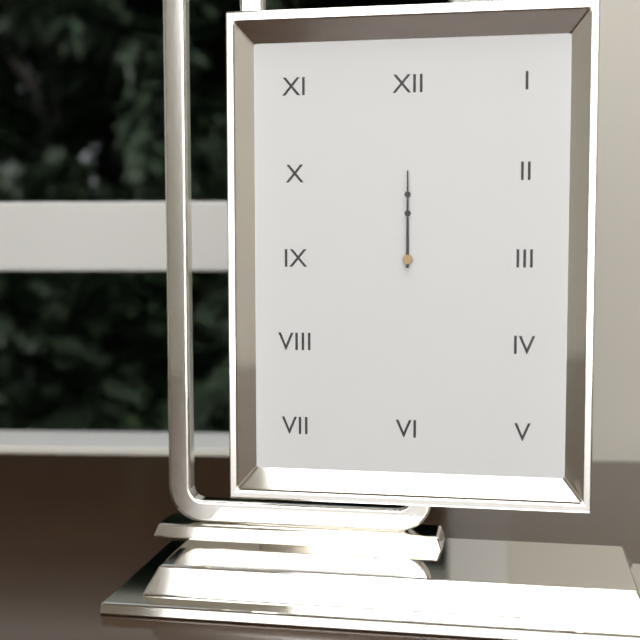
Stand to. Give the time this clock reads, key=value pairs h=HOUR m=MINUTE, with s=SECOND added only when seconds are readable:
h=12 m=0
